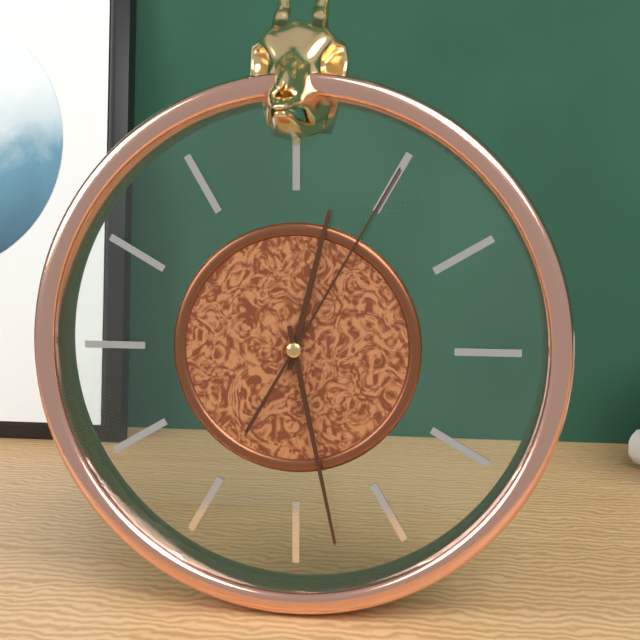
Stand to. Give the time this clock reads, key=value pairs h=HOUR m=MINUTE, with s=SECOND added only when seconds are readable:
h=12 m=28 s=5
